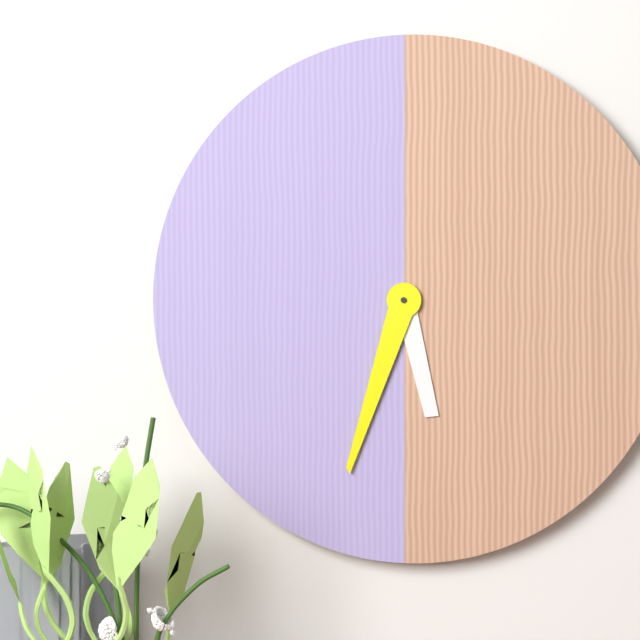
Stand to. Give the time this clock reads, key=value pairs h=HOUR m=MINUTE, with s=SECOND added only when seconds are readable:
h=5 m=33
